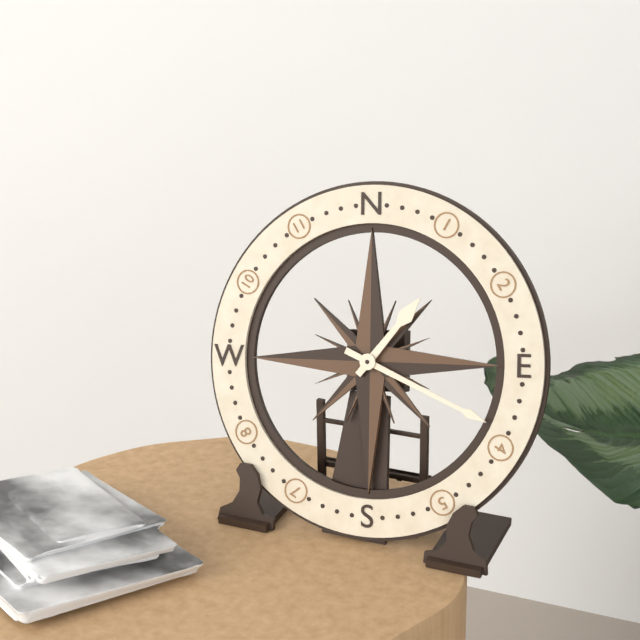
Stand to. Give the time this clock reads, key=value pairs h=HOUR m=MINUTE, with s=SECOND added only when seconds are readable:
h=1 m=19
